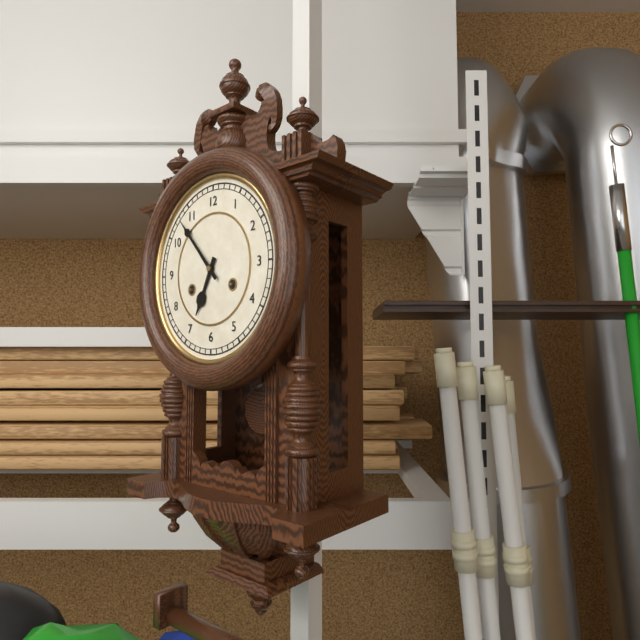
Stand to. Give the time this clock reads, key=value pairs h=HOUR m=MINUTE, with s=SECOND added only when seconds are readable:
h=6 m=53
